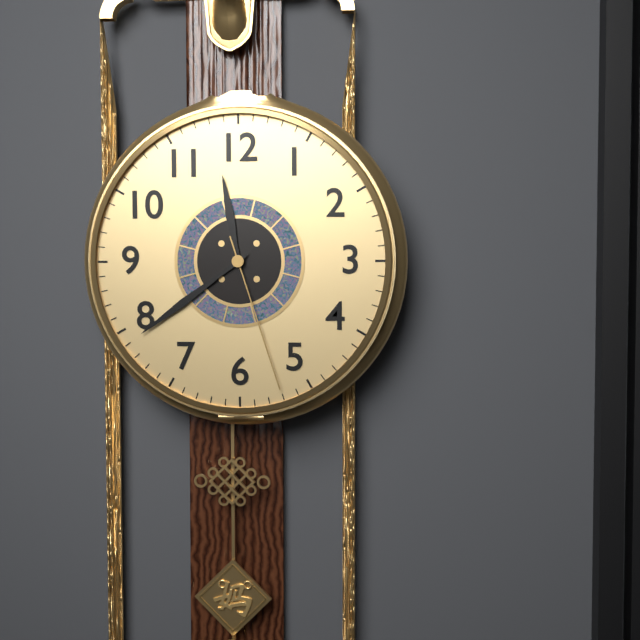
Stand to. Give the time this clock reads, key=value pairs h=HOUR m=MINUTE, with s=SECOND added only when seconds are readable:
h=11 m=39 s=27
